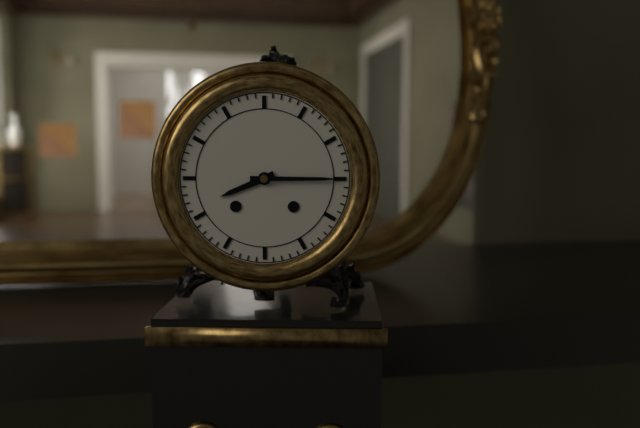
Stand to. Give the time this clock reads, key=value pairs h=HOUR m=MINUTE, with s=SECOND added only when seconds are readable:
h=8 m=15
